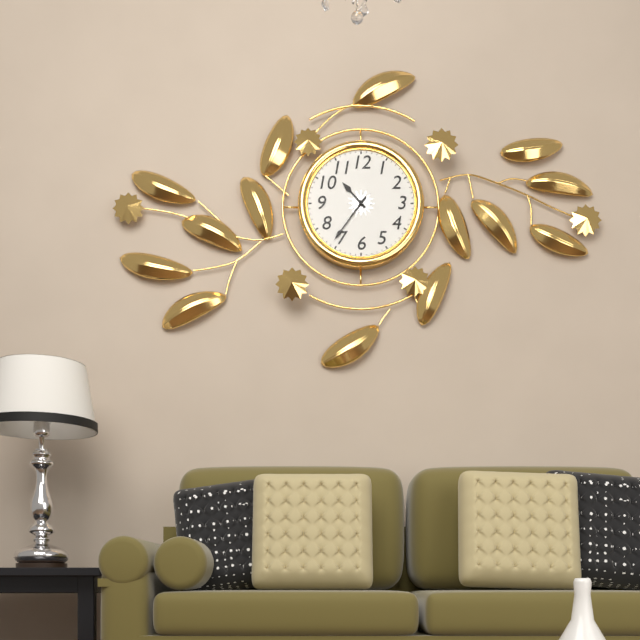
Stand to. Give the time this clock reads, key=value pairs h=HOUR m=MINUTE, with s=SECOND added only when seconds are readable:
h=10 m=36
